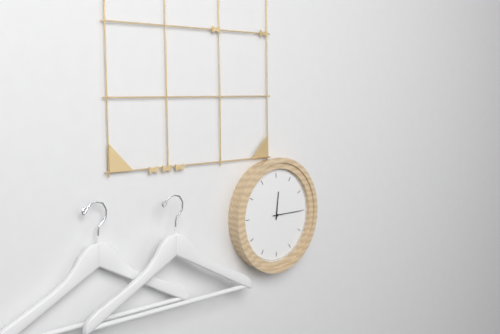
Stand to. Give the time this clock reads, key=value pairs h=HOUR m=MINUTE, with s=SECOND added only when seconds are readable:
h=12 m=15
